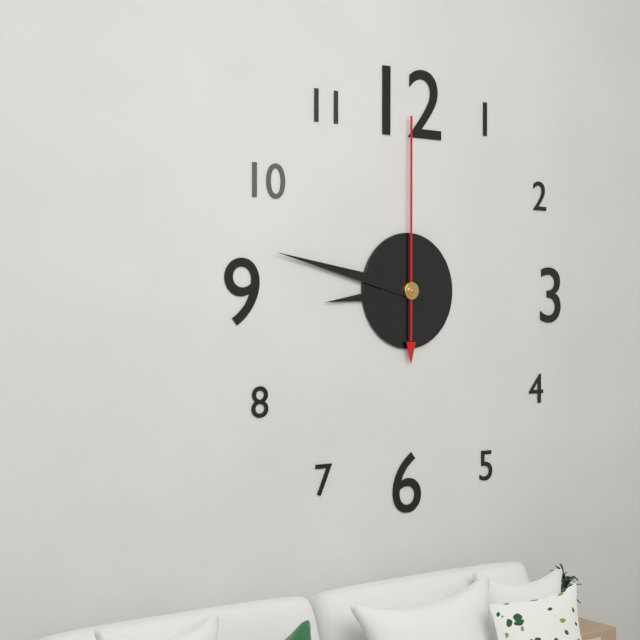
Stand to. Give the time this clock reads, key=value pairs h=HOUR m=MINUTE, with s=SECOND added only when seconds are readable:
h=8 m=47 s=0
